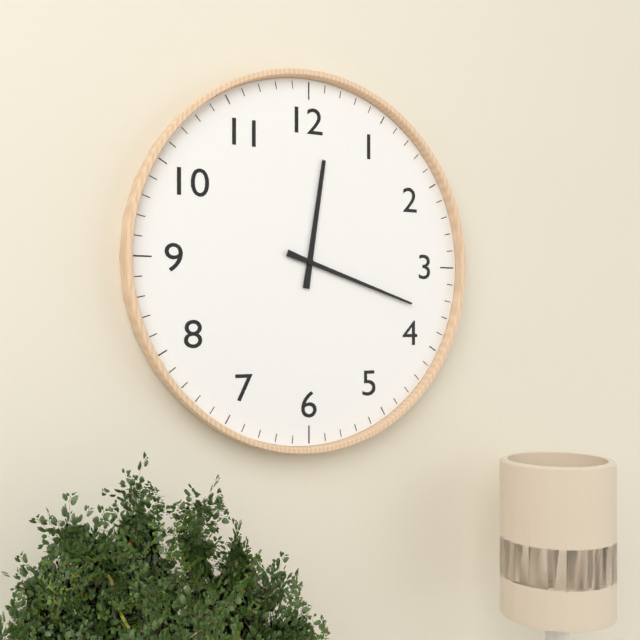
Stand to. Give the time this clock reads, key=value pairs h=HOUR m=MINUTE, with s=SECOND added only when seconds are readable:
h=12 m=18
